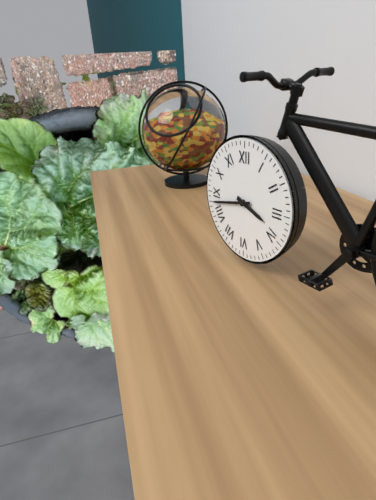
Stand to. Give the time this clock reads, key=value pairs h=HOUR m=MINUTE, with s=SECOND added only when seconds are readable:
h=3 m=43
